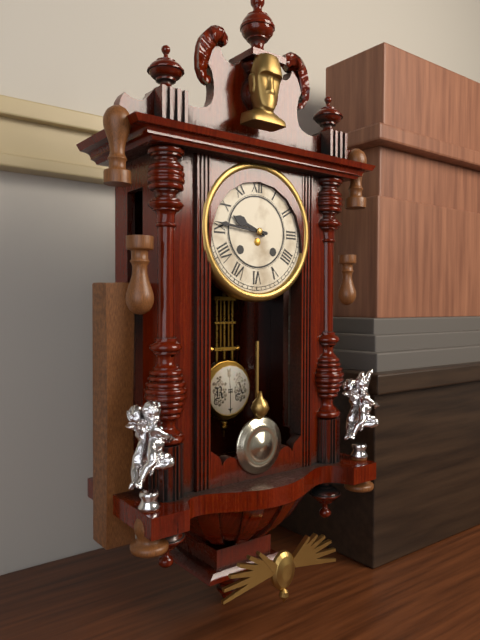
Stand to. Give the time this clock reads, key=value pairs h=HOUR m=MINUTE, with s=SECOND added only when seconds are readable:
h=9 m=46
